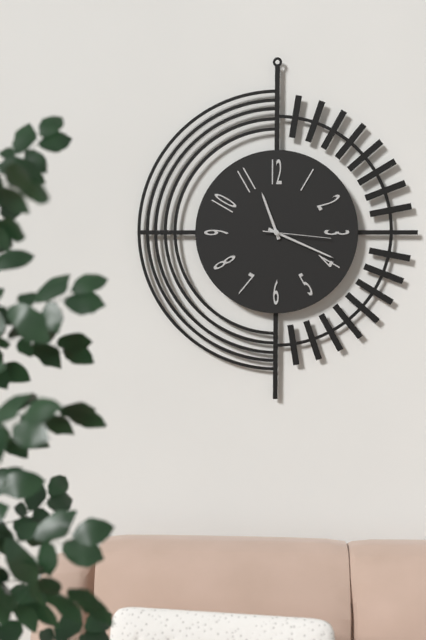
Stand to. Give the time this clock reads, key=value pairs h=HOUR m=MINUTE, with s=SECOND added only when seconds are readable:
h=11 m=19 s=16
